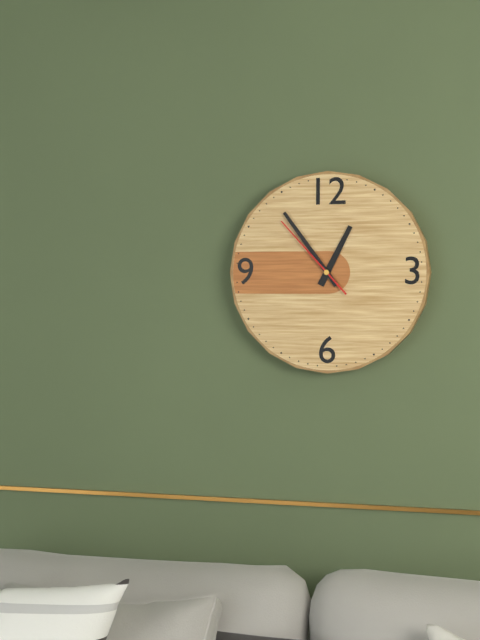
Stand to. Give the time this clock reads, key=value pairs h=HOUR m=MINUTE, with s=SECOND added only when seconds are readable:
h=12 m=54 s=53
